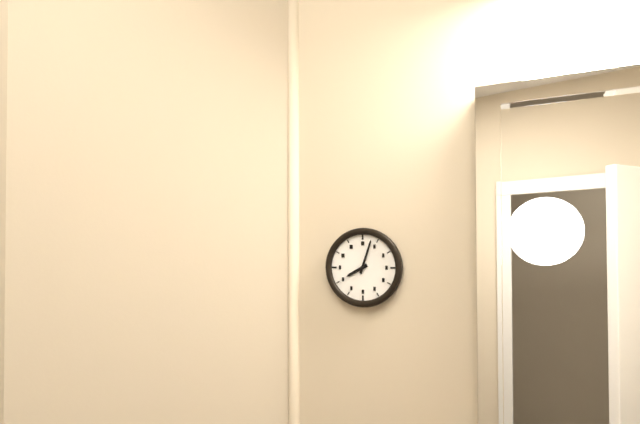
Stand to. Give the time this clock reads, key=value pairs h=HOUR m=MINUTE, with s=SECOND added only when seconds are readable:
h=8 m=3
